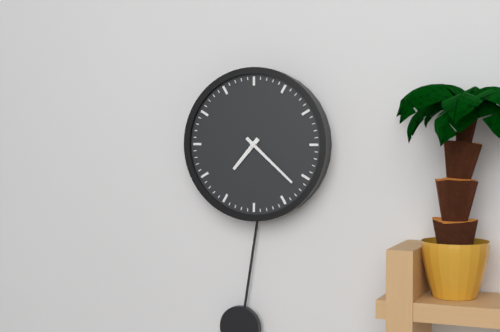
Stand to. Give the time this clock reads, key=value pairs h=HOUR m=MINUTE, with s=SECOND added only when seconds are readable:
h=7 m=22
